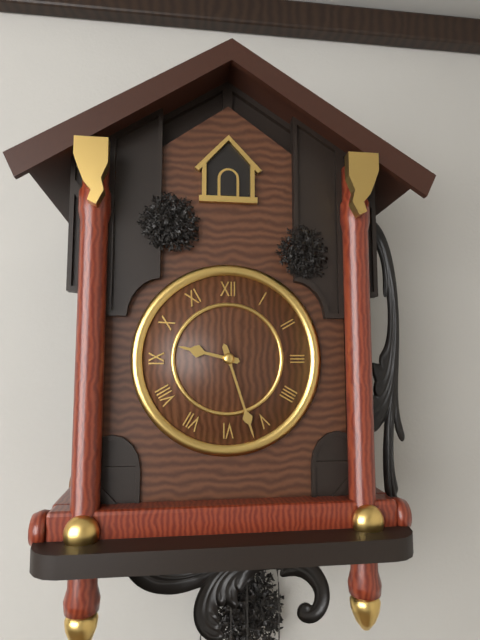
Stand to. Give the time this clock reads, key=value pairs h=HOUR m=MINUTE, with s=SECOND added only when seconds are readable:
h=9 m=27
